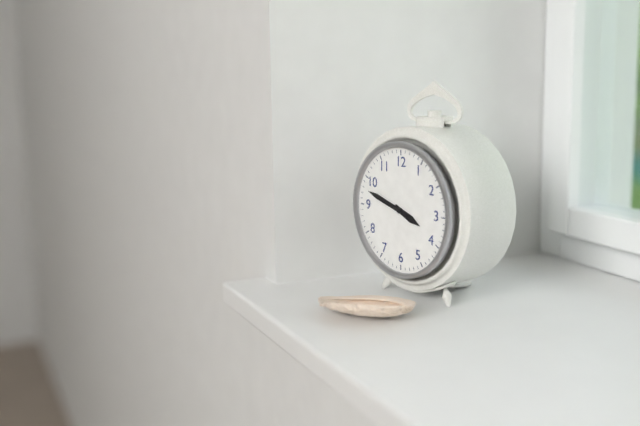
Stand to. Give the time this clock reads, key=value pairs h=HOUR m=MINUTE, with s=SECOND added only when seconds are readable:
h=3 m=48
